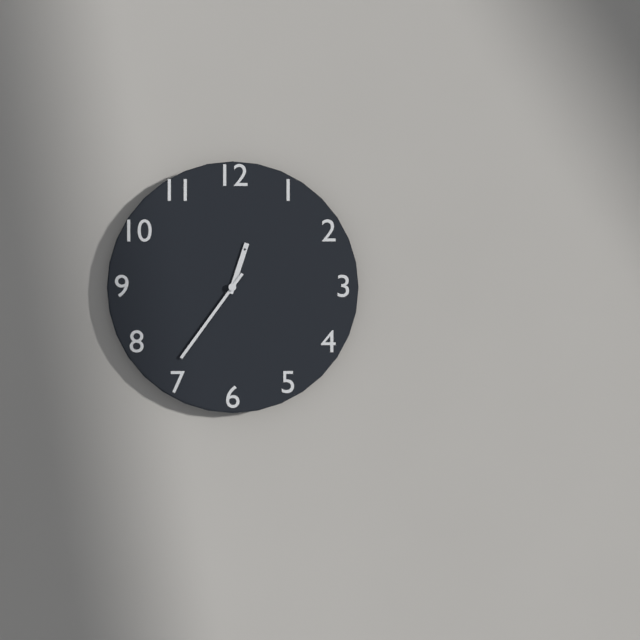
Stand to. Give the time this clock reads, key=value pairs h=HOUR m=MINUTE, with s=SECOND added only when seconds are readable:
h=12 m=36
